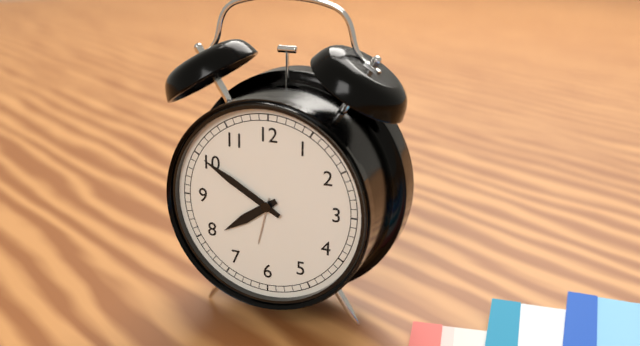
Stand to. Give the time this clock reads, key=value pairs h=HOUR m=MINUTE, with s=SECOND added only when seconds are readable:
h=7 m=50
